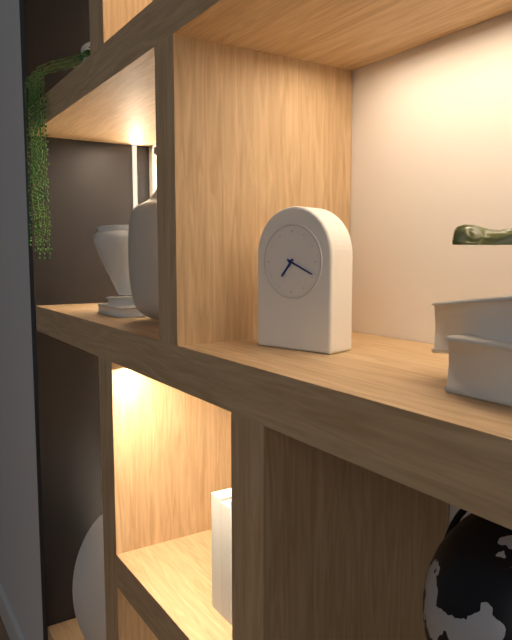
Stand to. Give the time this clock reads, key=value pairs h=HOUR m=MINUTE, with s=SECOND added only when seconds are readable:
h=7 m=19
